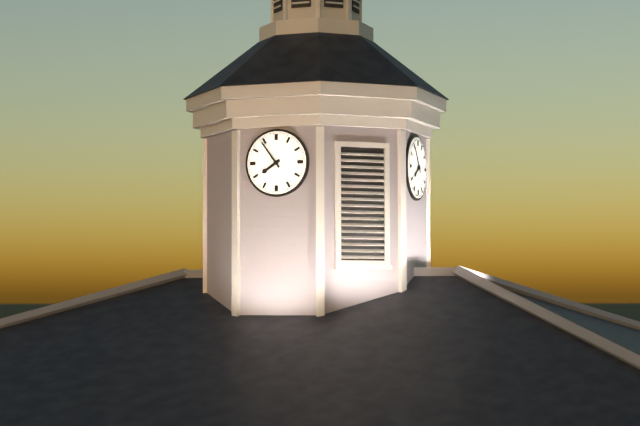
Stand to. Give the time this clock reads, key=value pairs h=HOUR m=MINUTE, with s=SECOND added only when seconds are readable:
h=7 m=54
